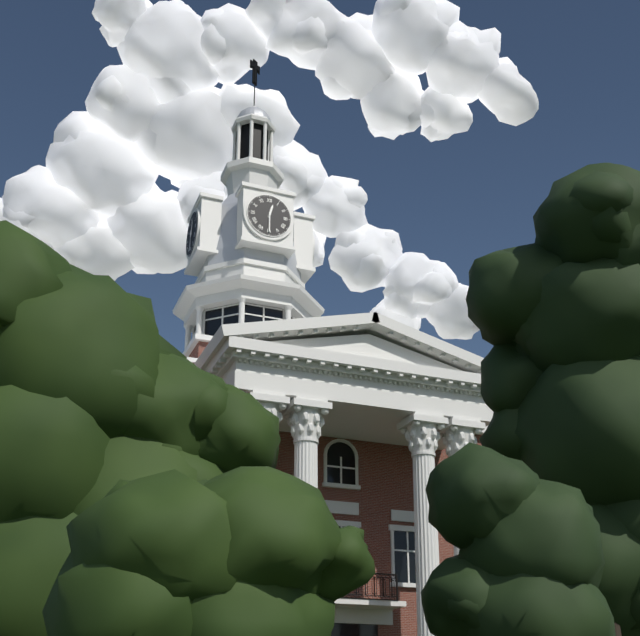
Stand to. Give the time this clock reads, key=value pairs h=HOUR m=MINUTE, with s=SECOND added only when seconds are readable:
h=12 m=30
